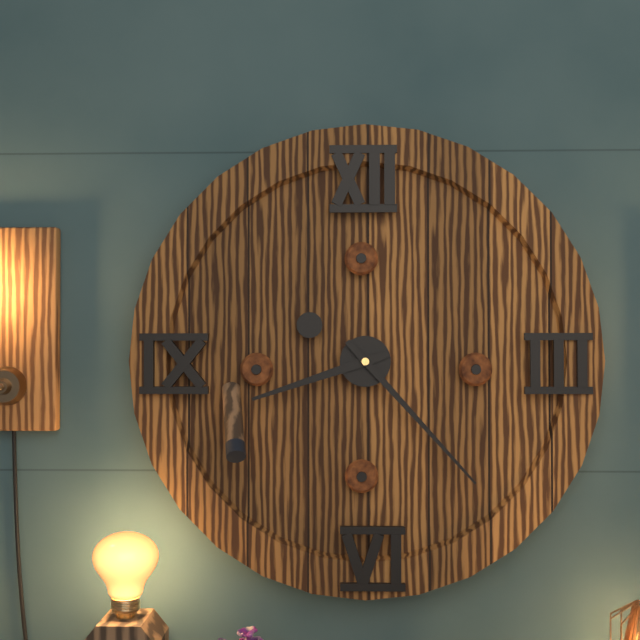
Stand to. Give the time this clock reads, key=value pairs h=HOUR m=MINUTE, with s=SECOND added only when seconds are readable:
h=8 m=23
